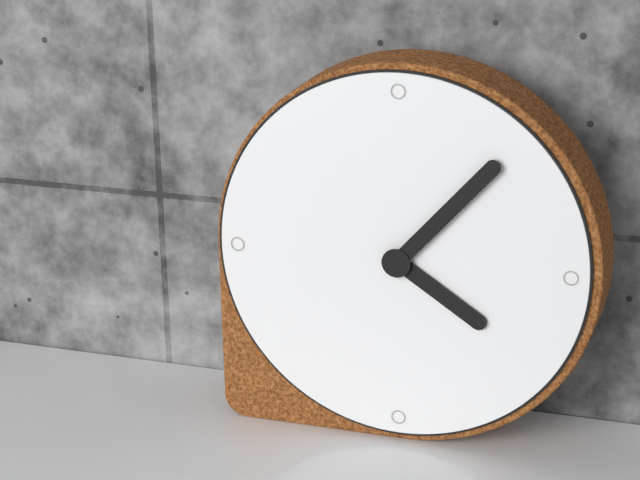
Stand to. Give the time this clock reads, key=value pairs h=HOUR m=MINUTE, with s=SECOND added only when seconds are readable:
h=4 m=7
